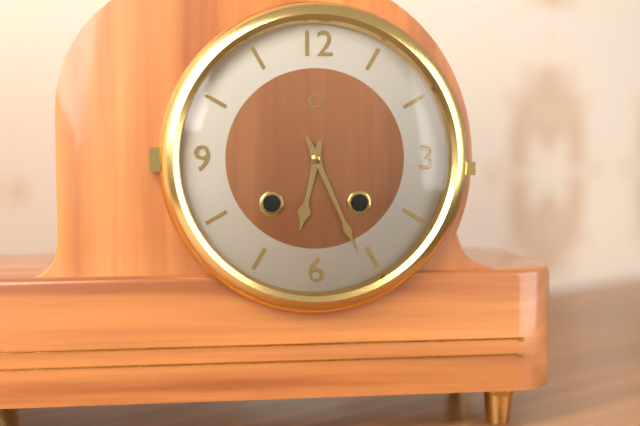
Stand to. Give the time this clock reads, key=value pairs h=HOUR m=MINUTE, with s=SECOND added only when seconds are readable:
h=6 m=26
